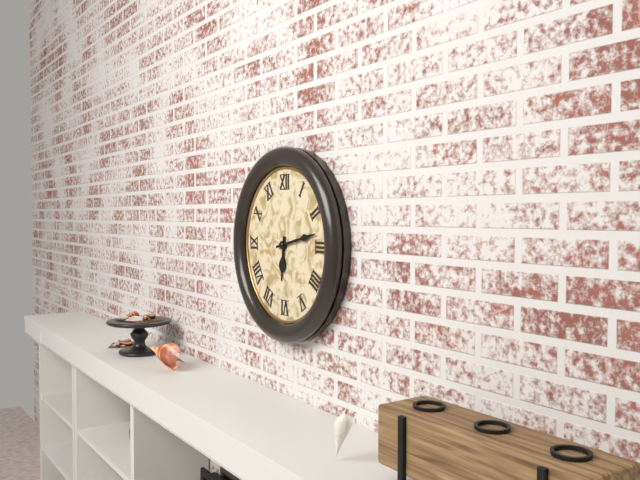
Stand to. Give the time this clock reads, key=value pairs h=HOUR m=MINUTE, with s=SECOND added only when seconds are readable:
h=6 m=13
